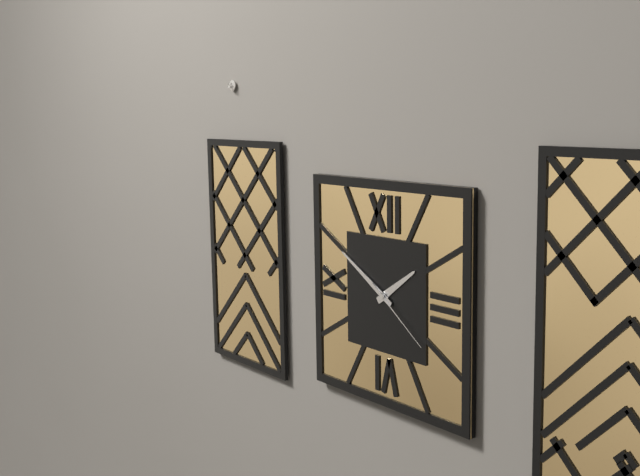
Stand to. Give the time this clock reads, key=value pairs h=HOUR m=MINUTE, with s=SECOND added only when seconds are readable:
h=1 m=50 s=21
